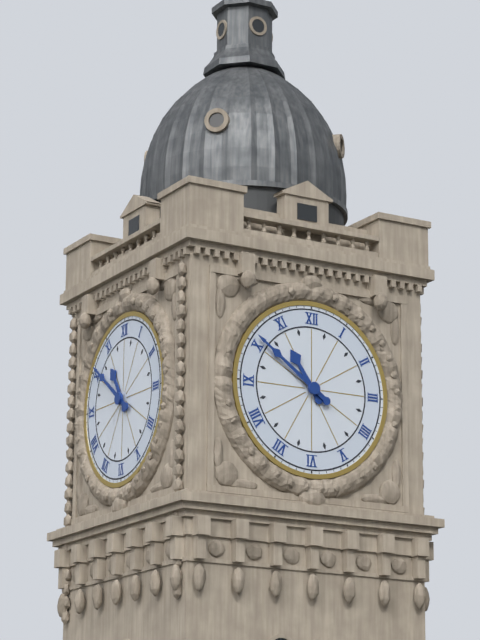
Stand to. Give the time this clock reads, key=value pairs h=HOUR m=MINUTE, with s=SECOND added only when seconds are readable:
h=10 m=51
